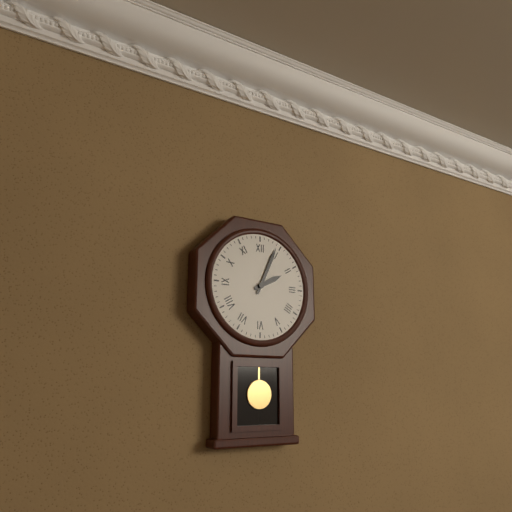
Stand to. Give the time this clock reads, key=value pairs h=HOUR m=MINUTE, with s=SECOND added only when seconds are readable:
h=2 m=4
